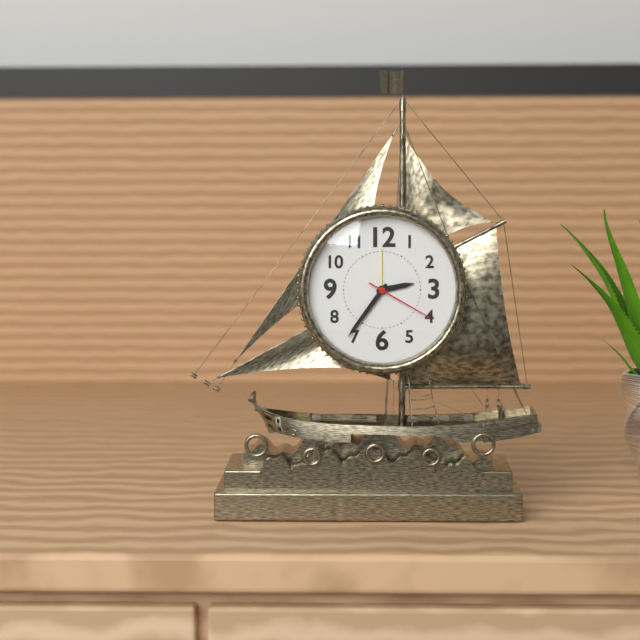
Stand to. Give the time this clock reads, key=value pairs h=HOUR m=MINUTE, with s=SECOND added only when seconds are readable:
h=2 m=36 s=20
